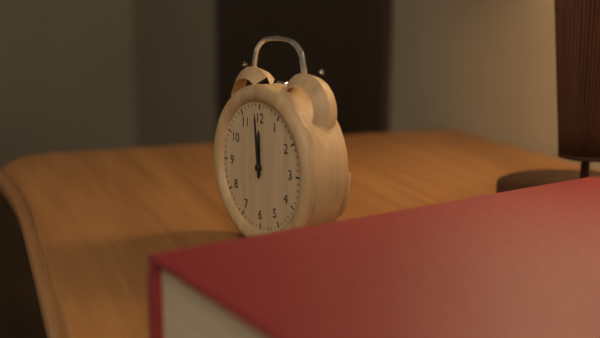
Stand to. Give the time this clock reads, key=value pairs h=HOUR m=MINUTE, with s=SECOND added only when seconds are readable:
h=11 m=59
